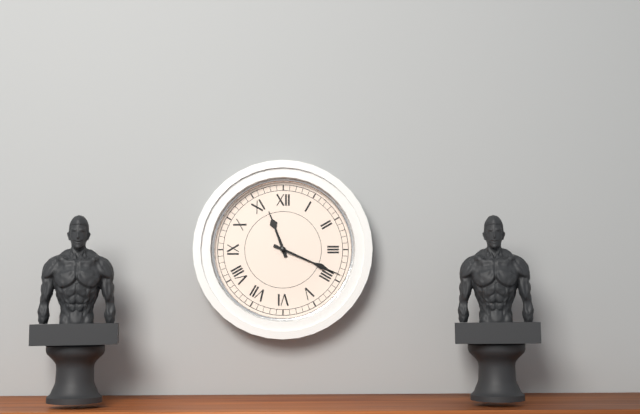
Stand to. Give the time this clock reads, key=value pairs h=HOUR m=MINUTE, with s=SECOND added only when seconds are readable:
h=11 m=19
